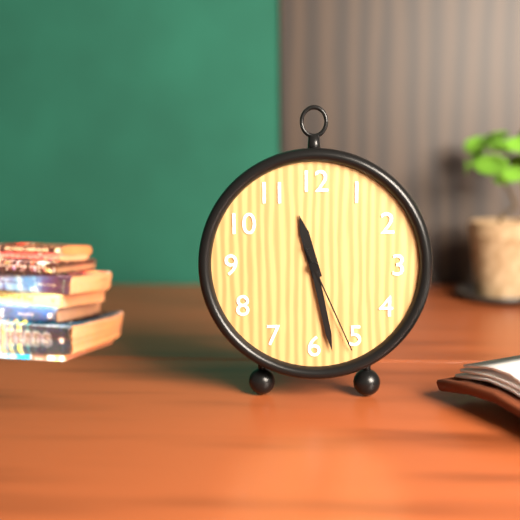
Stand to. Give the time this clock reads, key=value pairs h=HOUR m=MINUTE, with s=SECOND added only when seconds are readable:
h=11 m=28 s=26
